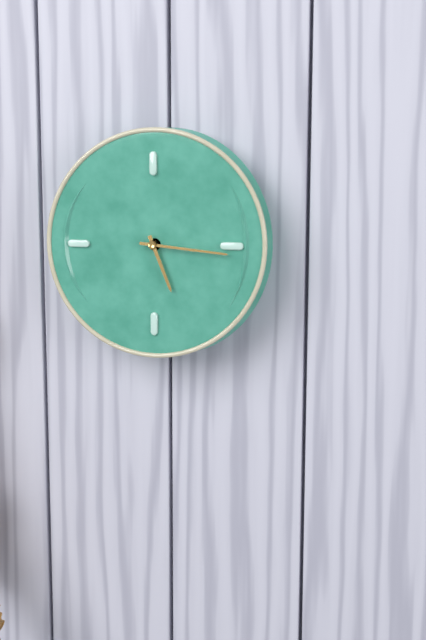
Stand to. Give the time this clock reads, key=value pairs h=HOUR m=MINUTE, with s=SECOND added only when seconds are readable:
h=5 m=16
